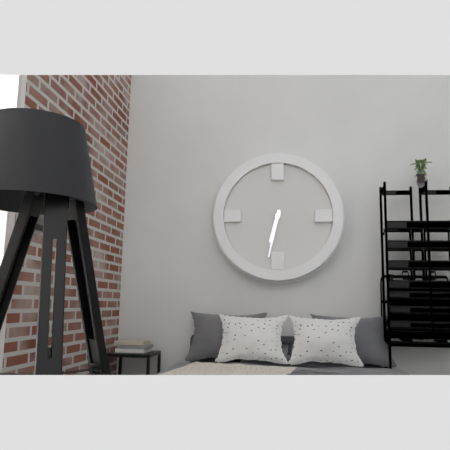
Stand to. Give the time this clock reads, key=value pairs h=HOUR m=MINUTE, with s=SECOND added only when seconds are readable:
h=6 m=32
